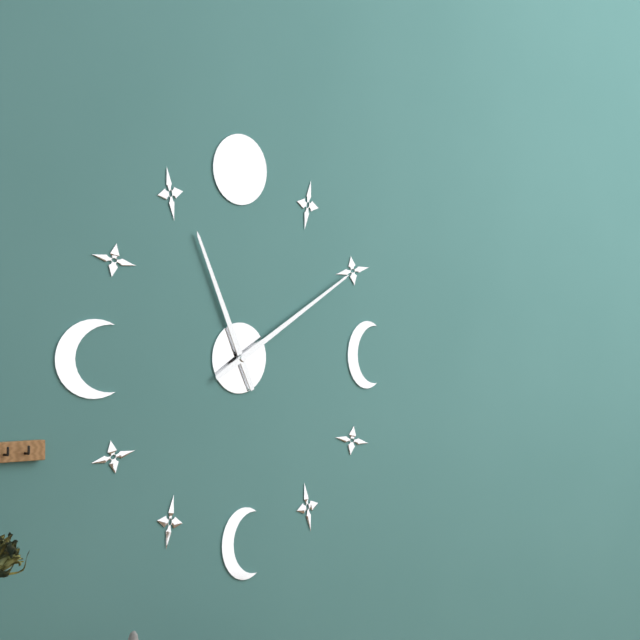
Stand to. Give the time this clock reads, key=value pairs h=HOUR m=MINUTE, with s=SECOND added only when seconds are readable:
h=11 m=10
